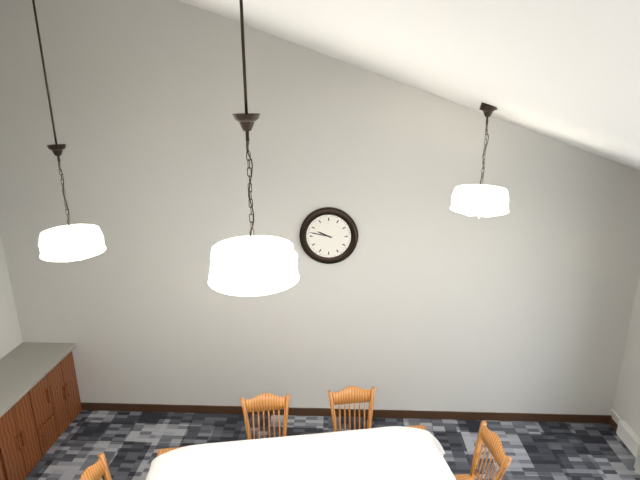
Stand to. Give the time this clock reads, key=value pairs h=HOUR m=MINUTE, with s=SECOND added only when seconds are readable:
h=9 m=47
